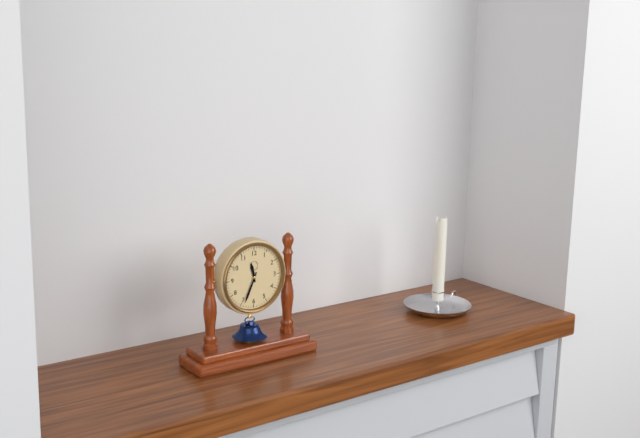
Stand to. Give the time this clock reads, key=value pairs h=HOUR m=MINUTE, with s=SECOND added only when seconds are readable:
h=11 m=34
